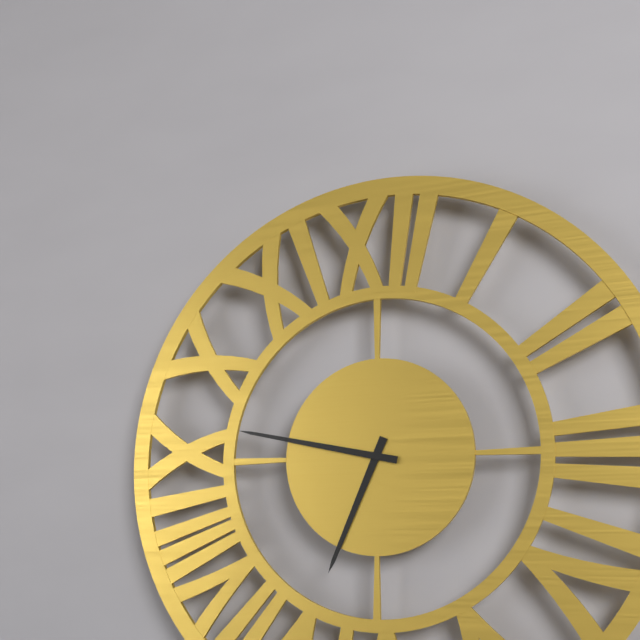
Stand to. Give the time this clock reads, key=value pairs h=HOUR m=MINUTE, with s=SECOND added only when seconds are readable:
h=6 m=47
